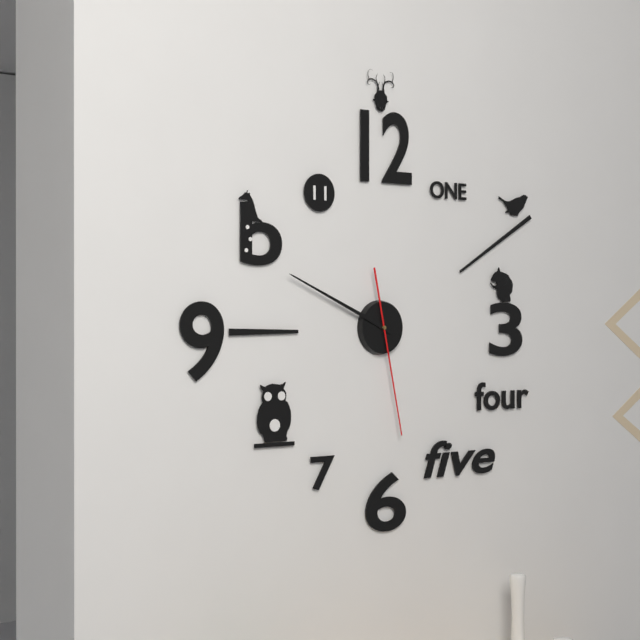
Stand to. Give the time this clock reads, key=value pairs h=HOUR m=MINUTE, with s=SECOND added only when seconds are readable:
h=9 m=49 s=28
